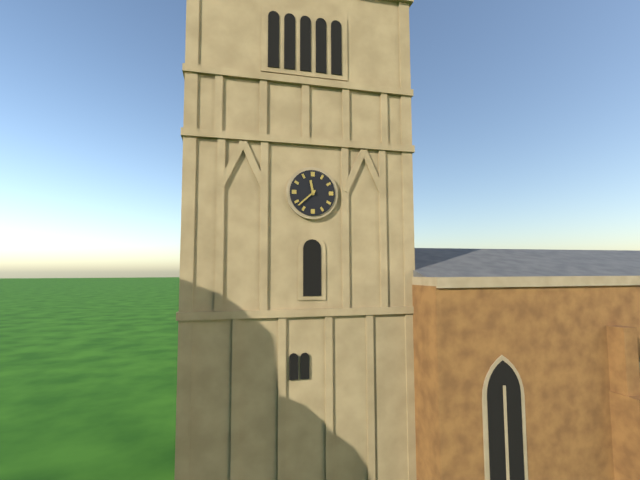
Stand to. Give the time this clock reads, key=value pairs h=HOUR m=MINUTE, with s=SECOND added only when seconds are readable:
h=11 m=38
